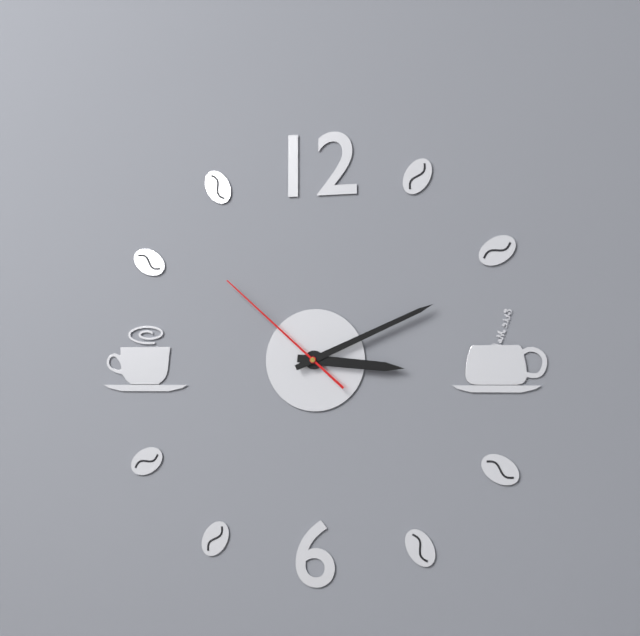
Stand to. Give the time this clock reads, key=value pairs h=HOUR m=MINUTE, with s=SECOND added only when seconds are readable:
h=3 m=11 s=52
